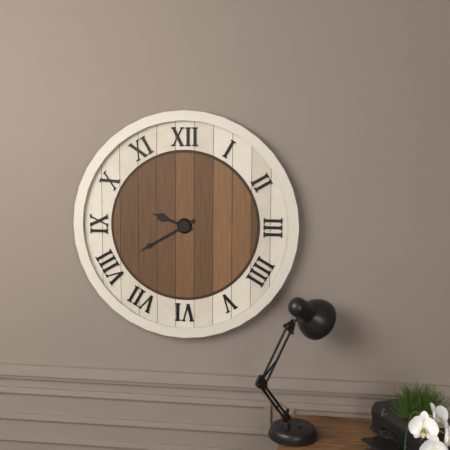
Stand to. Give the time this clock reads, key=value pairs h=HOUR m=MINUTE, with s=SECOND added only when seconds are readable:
h=9 m=40
